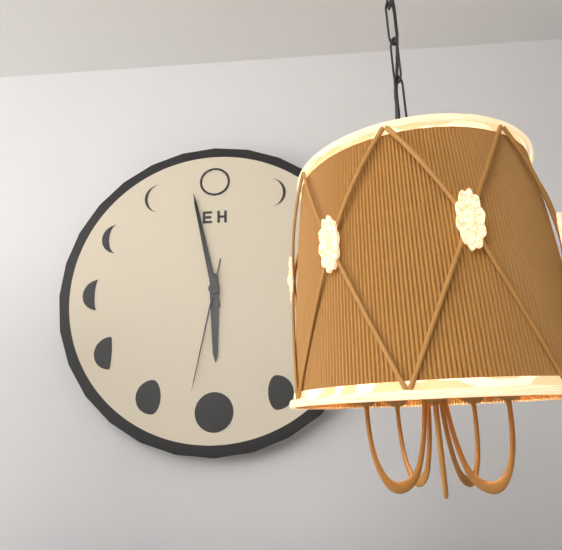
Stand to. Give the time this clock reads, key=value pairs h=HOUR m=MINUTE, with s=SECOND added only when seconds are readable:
h=5 m=58 s=32
